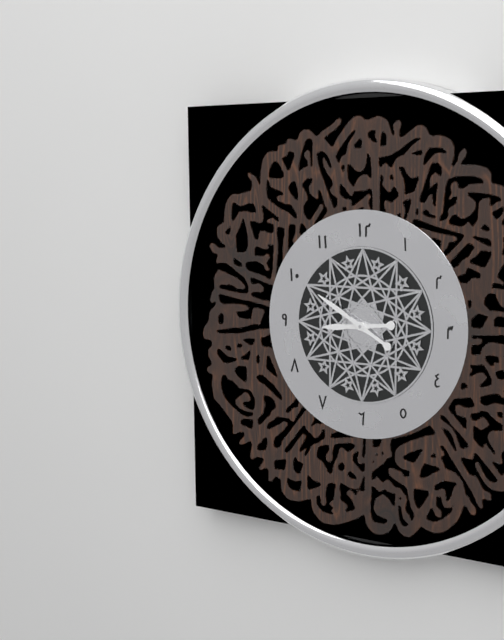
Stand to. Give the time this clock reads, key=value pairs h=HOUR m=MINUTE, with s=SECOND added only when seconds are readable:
h=8 m=50
